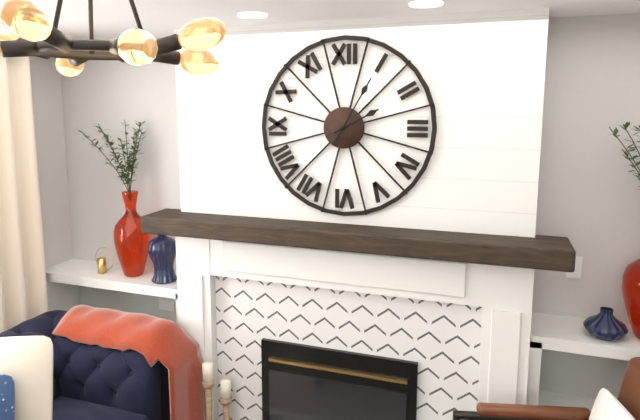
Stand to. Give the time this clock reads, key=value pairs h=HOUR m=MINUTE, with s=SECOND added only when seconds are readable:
h=2 m=5
